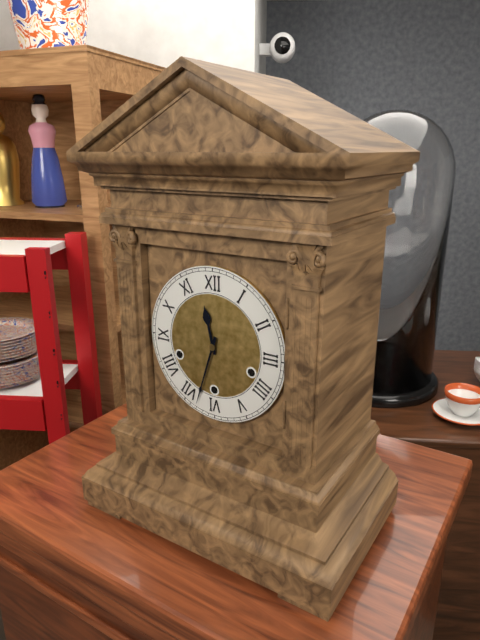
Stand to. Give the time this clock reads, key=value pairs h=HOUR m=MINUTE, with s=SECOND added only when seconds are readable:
h=11 m=33
